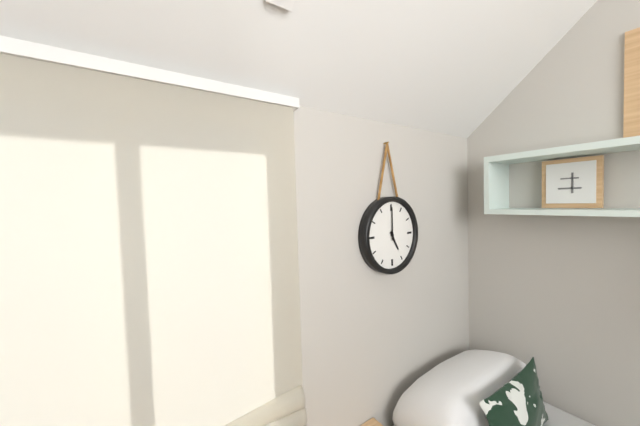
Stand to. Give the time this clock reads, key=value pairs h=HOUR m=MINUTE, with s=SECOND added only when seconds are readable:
h=5 m=0
